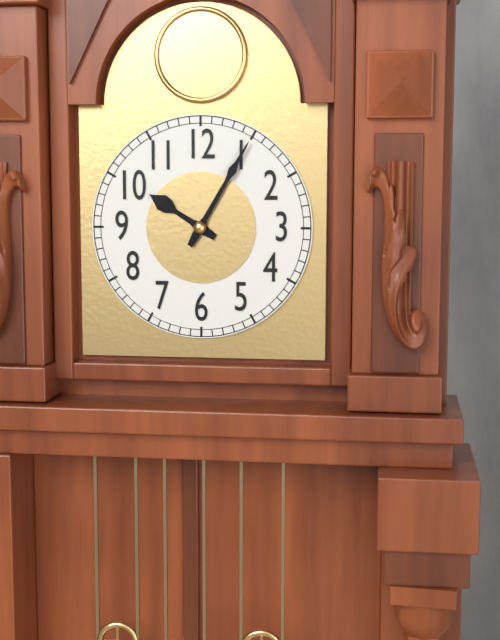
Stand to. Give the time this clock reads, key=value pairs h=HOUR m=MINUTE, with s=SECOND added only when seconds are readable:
h=10 m=5
